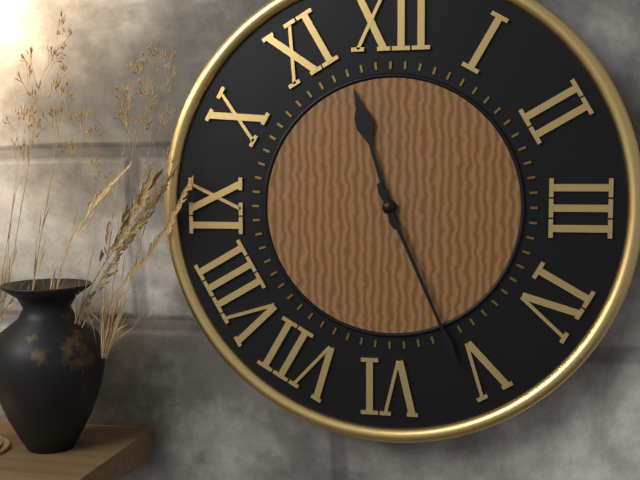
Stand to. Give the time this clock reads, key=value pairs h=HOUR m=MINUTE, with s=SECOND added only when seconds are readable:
h=11 m=26
